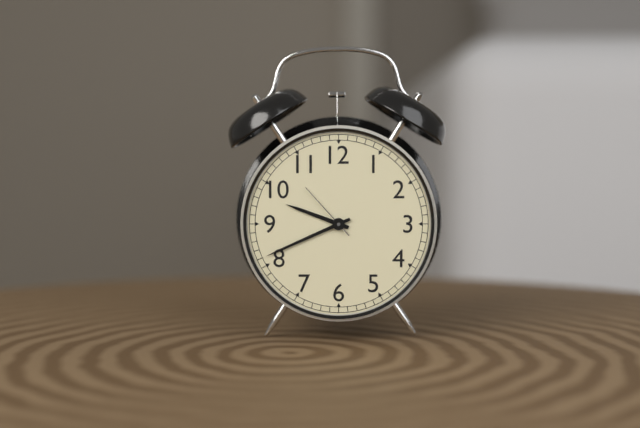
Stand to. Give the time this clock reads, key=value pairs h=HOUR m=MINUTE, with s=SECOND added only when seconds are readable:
h=9 m=41 s=53
